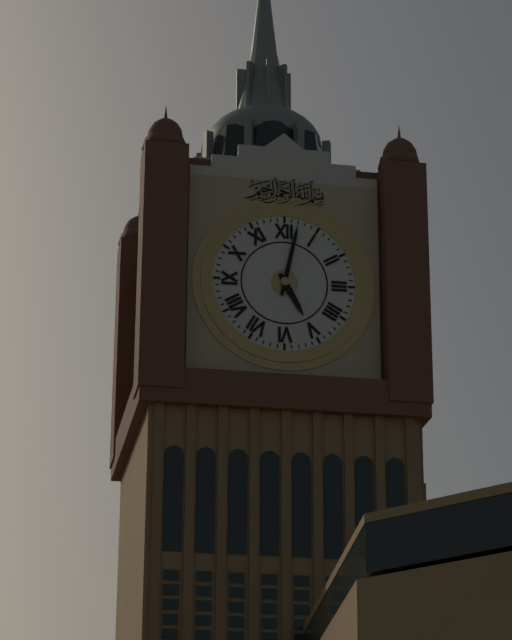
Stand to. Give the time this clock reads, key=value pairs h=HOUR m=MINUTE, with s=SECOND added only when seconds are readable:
h=5 m=2
